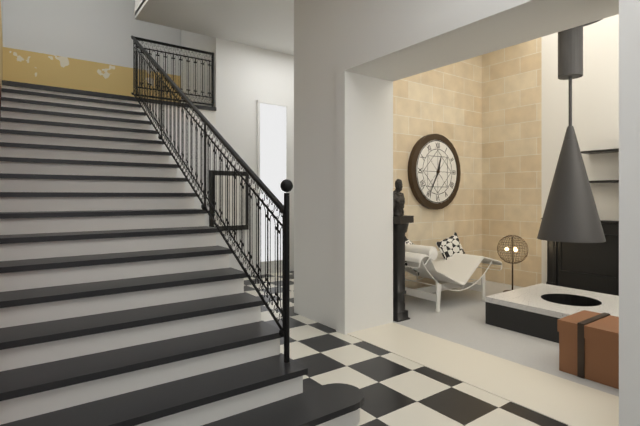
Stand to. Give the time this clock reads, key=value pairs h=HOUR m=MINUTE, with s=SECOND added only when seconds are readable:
h=12 m=35
